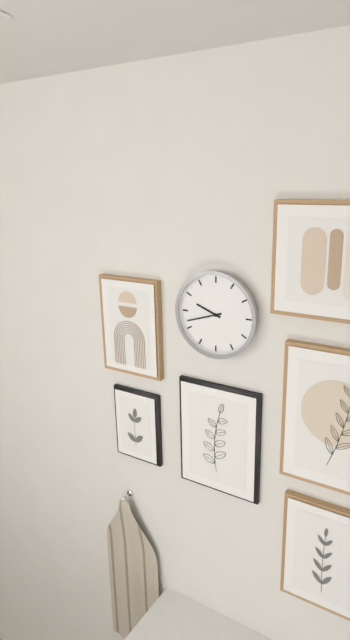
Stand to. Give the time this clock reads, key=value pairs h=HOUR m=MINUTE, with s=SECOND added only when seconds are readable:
h=9 m=42
